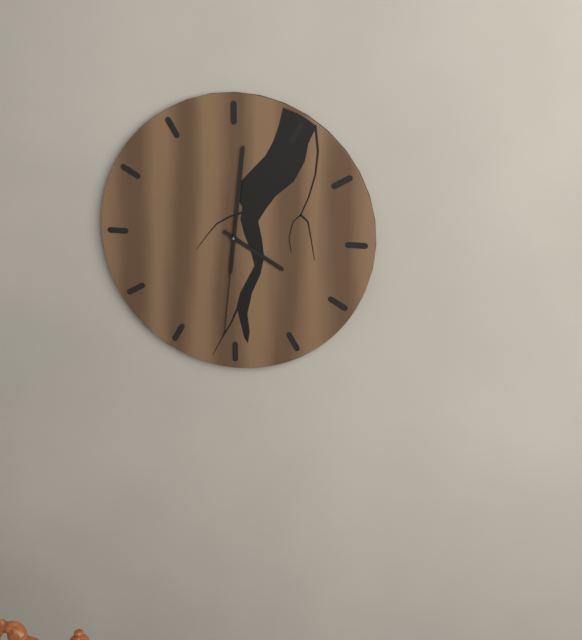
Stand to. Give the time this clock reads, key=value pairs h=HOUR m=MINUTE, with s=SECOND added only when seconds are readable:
h=4 m=1 s=31
